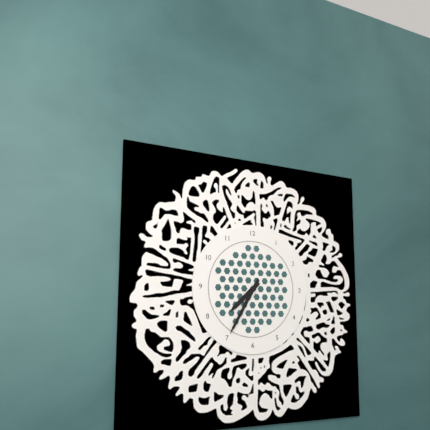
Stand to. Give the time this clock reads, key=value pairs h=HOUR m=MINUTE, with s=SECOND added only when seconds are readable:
h=7 m=35
